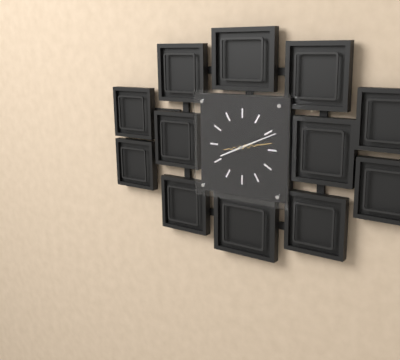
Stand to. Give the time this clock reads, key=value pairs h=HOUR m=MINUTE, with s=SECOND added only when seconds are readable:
h=8 m=11
